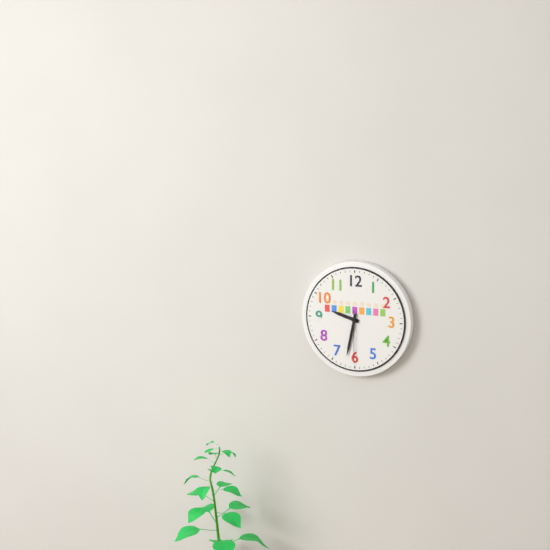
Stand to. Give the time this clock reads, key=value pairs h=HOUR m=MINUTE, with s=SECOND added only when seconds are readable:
h=9 m=32 s=30
